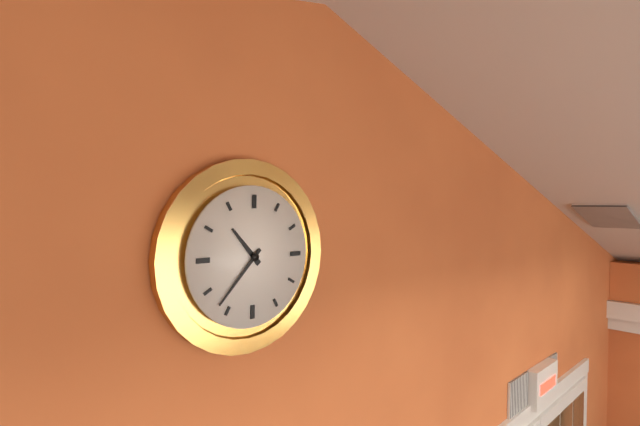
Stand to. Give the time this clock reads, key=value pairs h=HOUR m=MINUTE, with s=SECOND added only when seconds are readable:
h=10 m=37
